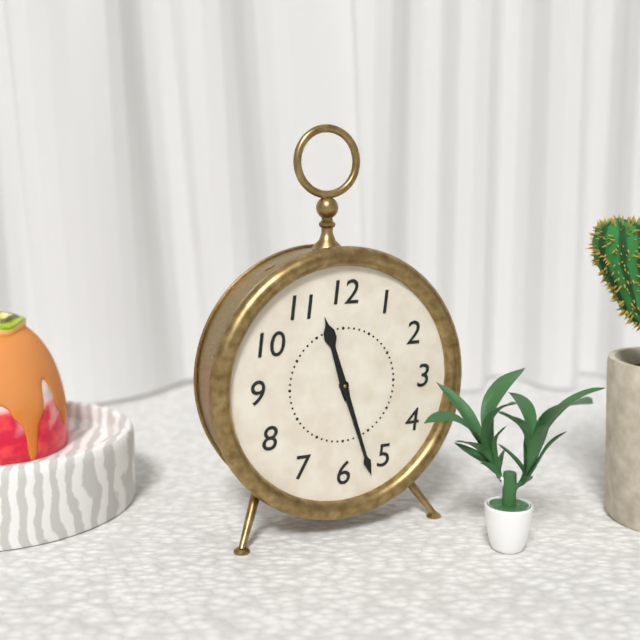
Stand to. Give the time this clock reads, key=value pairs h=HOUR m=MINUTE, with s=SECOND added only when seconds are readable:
h=11 m=27
